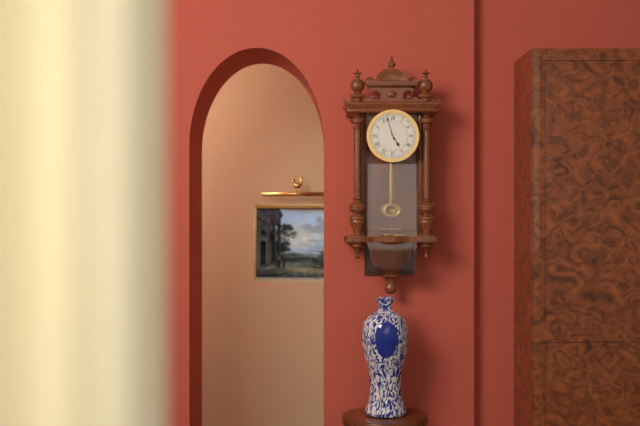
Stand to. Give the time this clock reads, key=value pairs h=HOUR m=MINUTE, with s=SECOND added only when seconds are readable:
h=4 m=57
